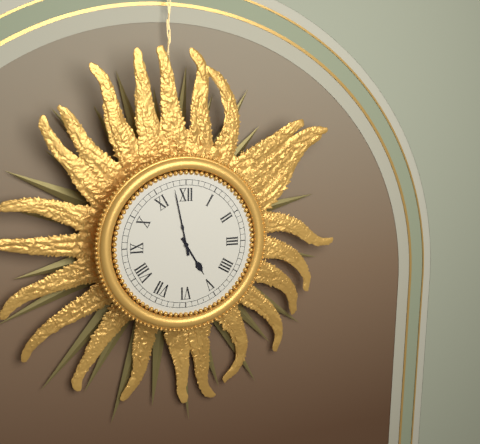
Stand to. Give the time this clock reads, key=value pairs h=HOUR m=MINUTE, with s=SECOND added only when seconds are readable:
h=4 m=58
